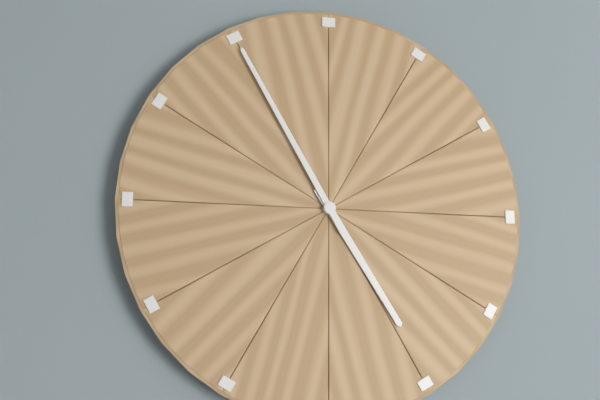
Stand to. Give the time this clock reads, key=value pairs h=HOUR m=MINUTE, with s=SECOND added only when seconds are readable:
h=4 m=55
